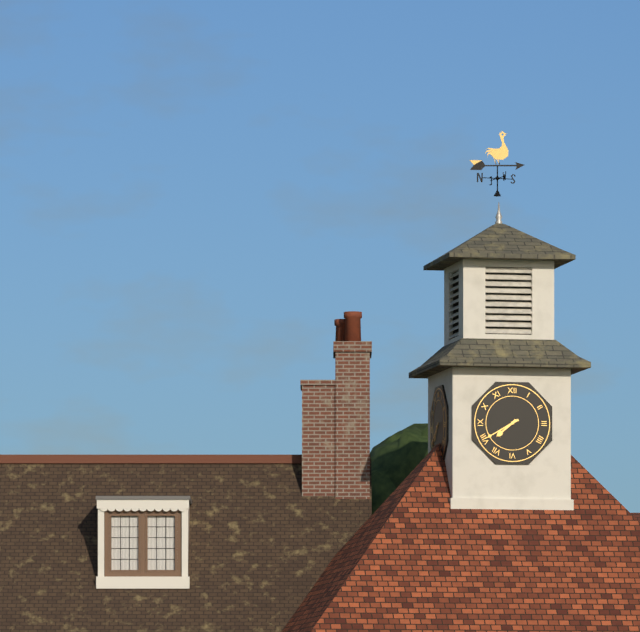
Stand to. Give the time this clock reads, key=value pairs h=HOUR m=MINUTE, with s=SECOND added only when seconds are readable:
h=7 m=40
